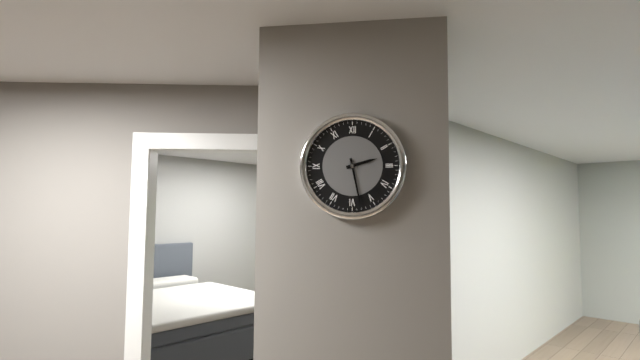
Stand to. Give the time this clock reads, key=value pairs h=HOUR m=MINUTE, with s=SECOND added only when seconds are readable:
h=2 m=28
